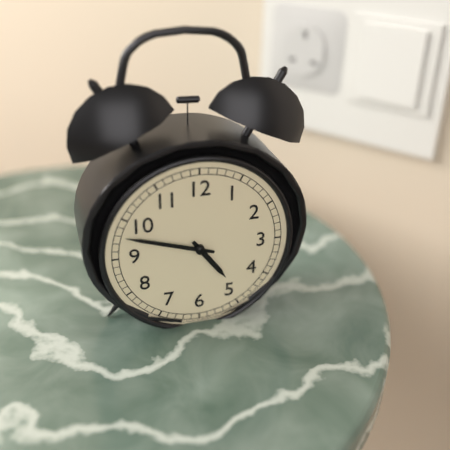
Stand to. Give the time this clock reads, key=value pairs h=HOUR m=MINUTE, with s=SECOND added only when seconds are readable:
h=4 m=48
